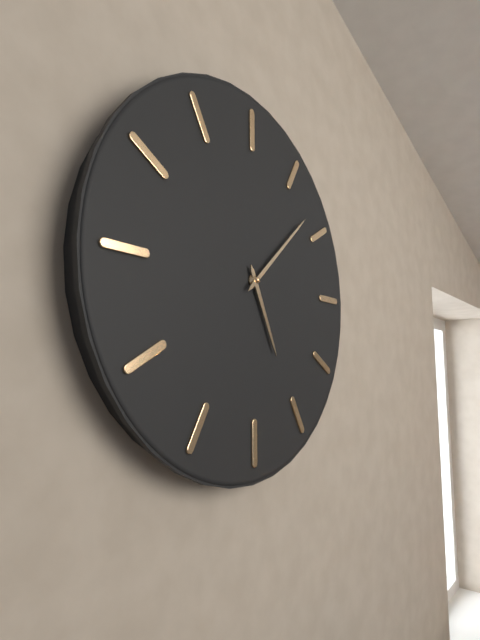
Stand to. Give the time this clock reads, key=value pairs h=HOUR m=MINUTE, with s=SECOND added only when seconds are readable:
h=5 m=8
